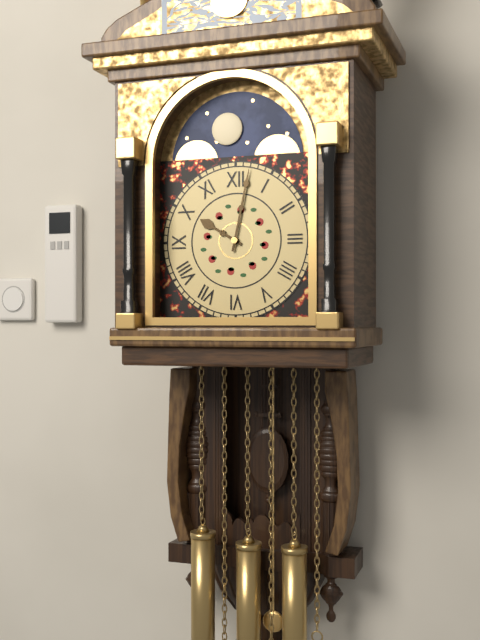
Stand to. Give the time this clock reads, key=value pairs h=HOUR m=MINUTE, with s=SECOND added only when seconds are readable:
h=10 m=2
